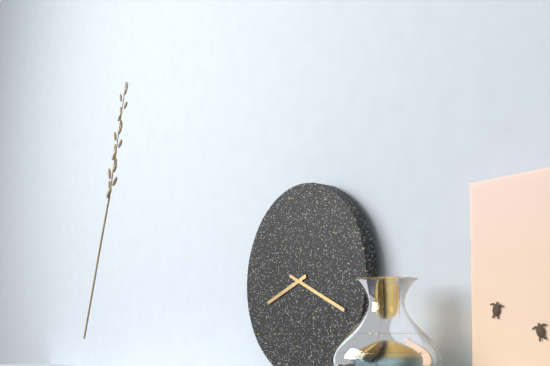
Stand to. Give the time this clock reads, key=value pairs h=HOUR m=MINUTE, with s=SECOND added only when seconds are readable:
h=8 m=19
